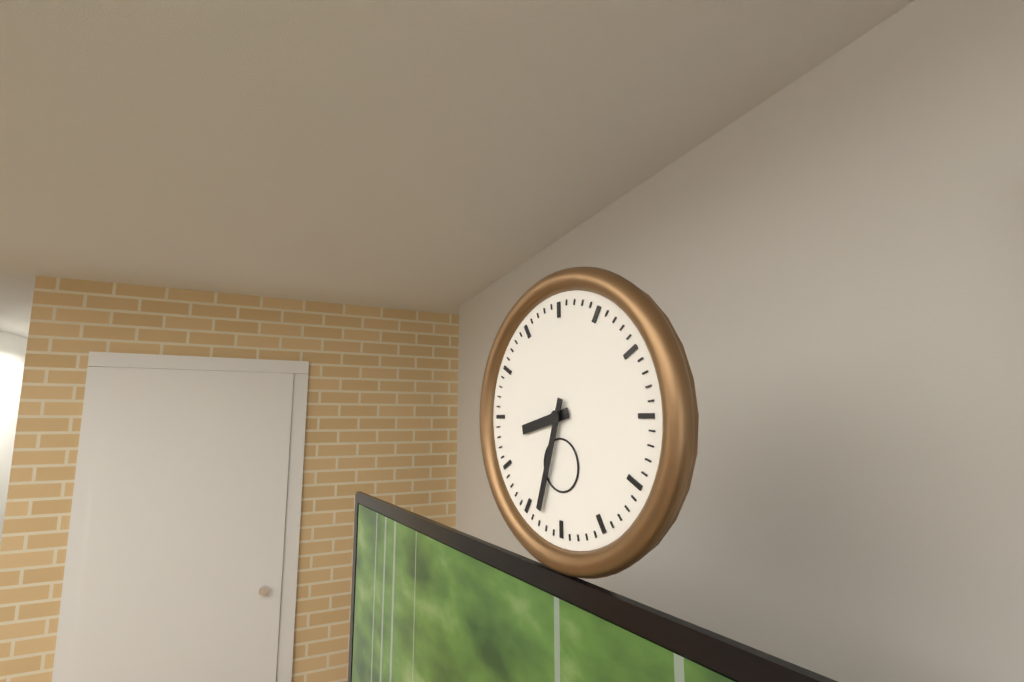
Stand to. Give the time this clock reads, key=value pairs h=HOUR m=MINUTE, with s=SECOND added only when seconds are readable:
h=8 m=33
